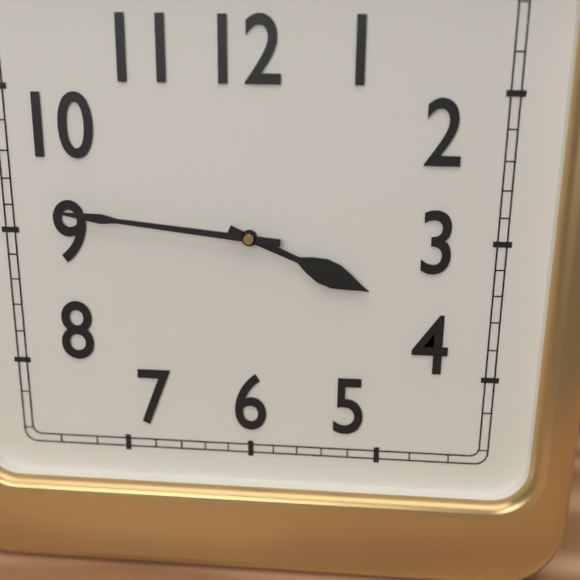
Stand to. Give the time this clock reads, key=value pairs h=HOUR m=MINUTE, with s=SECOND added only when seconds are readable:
h=3 m=46
